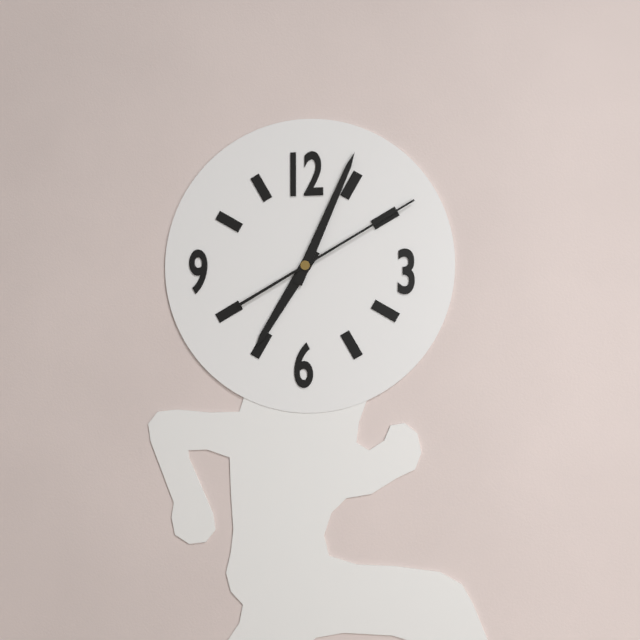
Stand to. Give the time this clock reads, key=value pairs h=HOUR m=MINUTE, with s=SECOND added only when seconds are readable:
h=7 m=4 s=10
